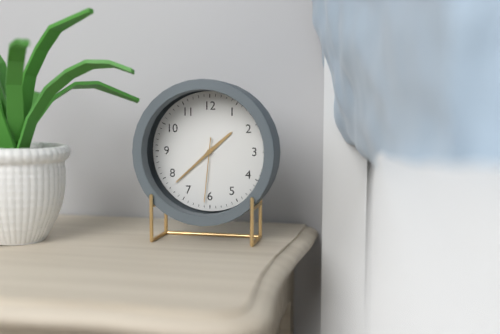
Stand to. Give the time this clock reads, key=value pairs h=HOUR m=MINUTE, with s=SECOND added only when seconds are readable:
h=1 m=38 s=31
